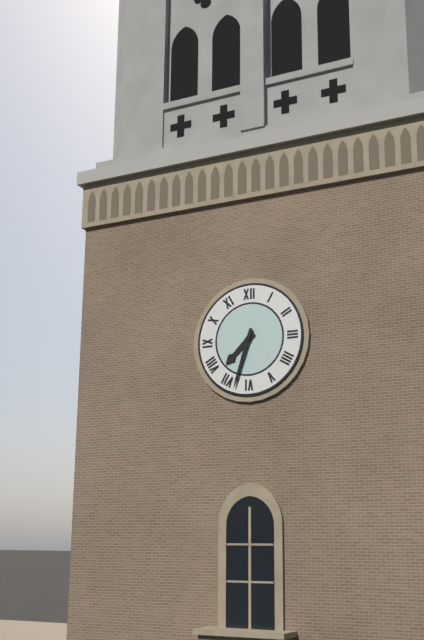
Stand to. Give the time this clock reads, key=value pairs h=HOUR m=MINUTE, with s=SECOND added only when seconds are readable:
h=7 m=33
